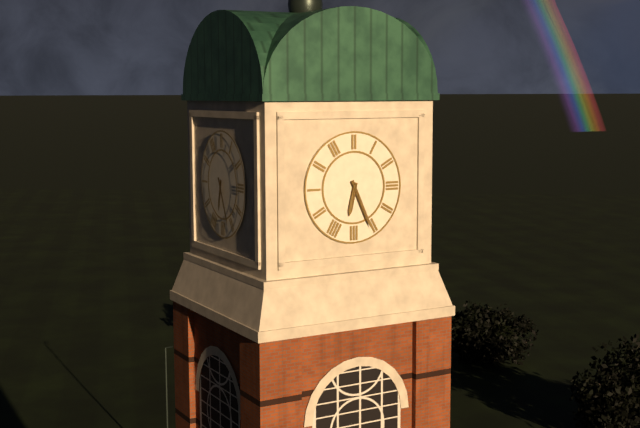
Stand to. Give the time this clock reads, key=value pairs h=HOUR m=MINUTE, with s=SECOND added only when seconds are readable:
h=6 m=26
